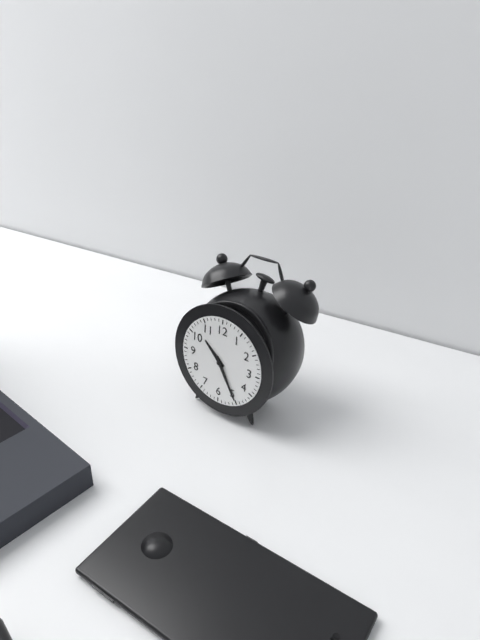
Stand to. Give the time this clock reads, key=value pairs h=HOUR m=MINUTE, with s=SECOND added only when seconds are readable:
h=10 m=25
